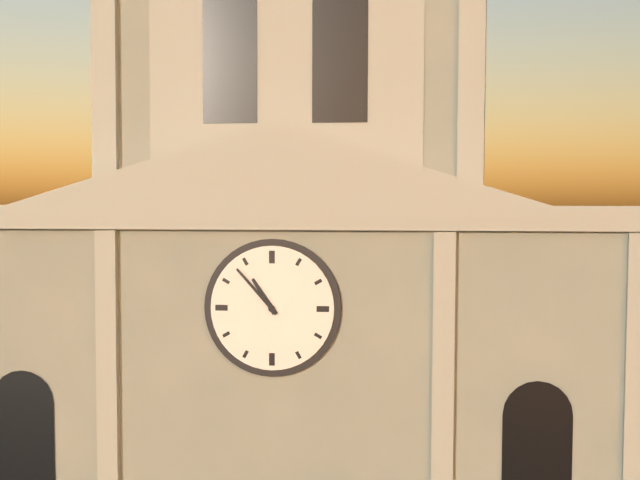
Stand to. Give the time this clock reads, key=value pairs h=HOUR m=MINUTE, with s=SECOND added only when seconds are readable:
h=10 m=53
